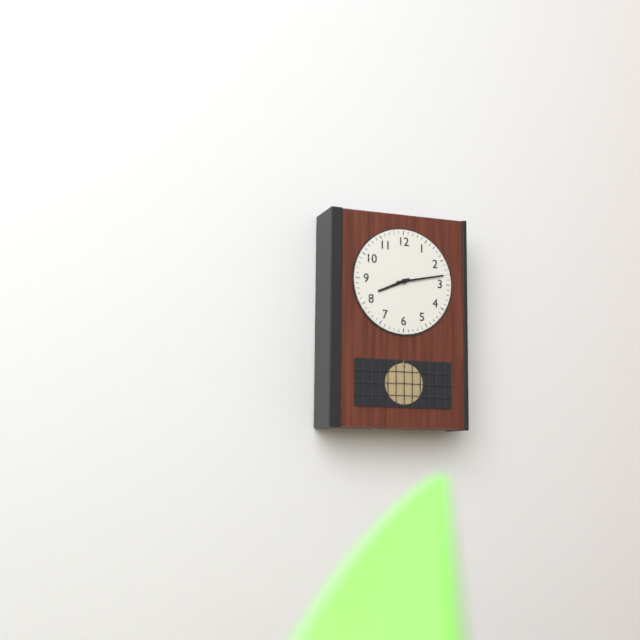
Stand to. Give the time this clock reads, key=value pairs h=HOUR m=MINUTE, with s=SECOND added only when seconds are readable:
h=8 m=13
